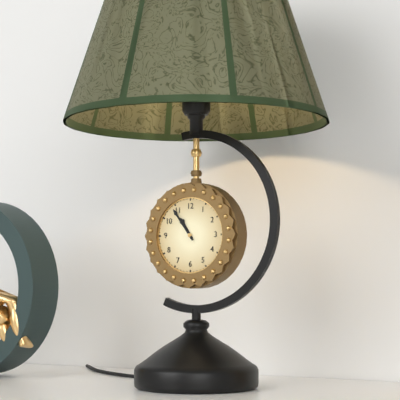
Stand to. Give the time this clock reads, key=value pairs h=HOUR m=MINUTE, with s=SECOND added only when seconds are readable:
h=10 m=54
